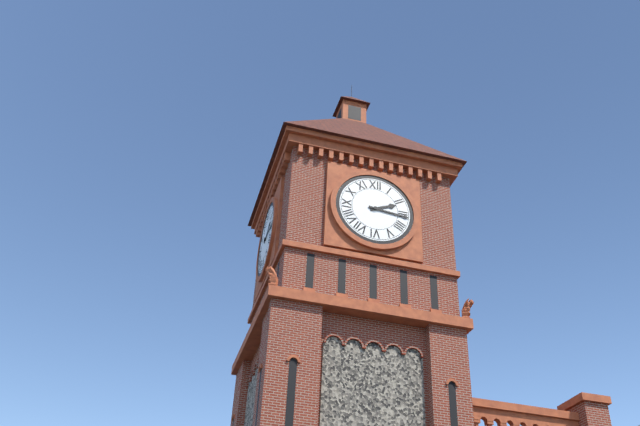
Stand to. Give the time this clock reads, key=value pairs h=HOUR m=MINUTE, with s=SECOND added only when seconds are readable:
h=2 m=16
